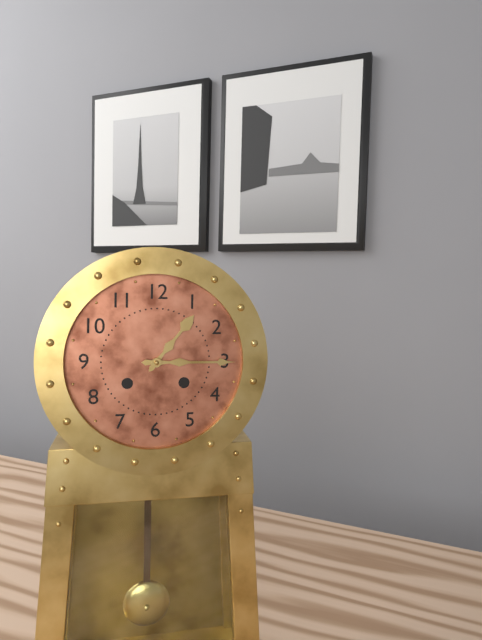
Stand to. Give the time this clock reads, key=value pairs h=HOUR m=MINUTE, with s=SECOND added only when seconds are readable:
h=1 m=15
